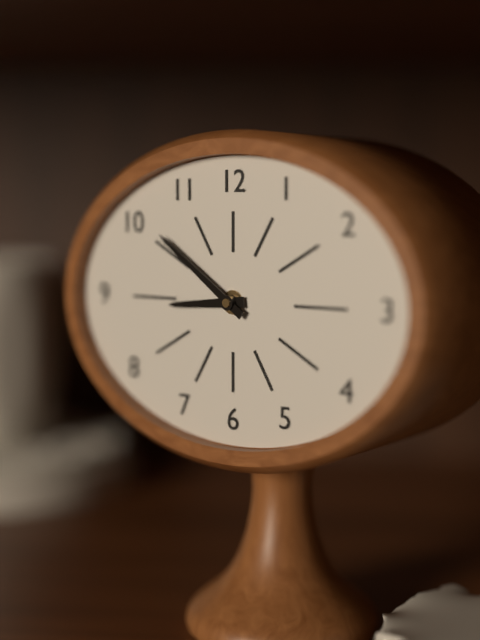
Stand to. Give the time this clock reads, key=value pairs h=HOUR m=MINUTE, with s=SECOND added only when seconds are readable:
h=8 m=51
